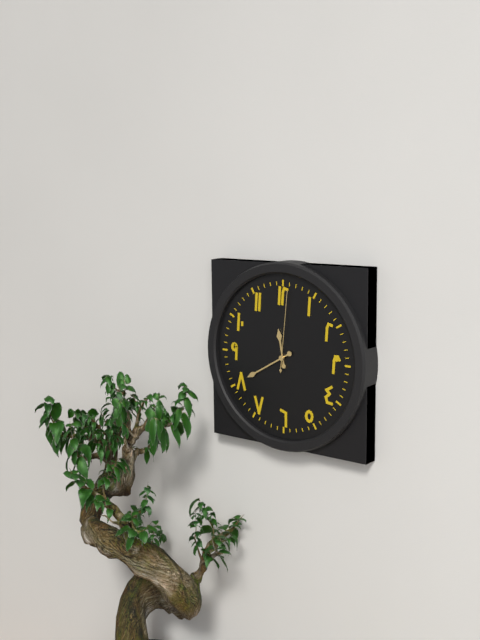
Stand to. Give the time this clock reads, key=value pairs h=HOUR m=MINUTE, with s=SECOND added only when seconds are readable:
h=11 m=40 s=1
